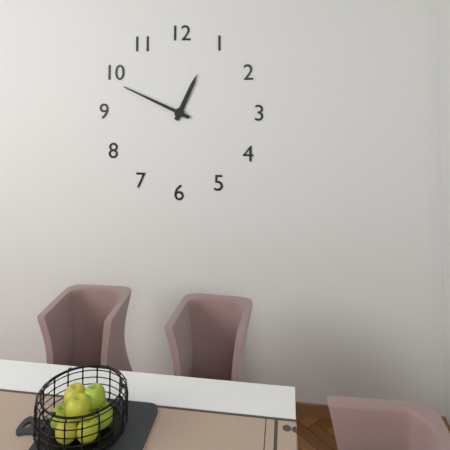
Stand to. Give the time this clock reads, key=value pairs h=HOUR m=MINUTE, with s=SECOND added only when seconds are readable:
h=12 m=49
